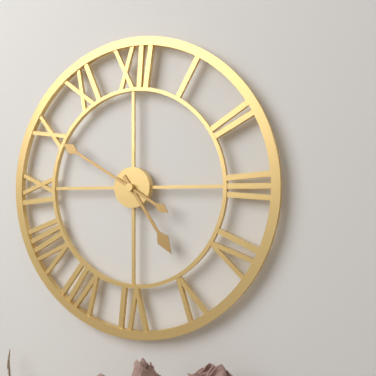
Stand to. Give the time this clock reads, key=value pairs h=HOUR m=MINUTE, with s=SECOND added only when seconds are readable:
h=4 m=50
